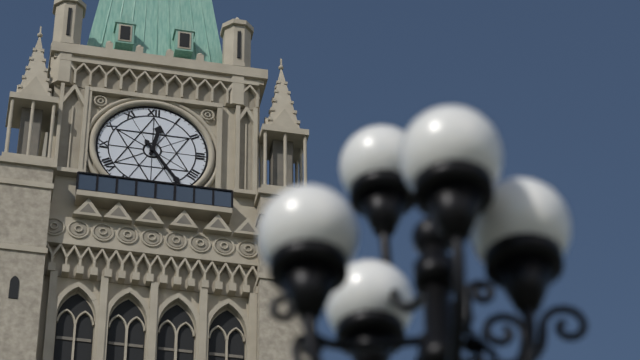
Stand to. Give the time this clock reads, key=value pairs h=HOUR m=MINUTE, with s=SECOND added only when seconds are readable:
h=12 m=24
